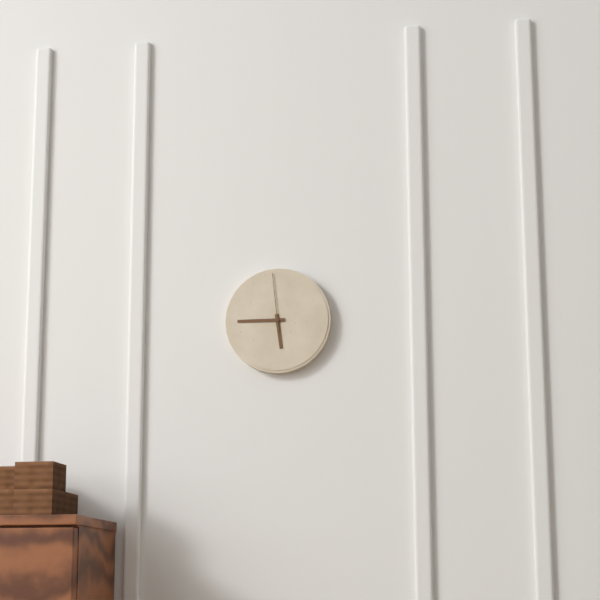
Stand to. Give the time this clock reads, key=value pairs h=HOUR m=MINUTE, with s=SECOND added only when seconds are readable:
h=5 m=45 s=59
